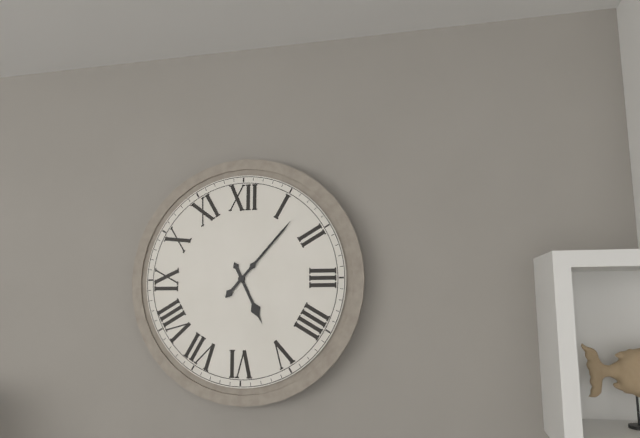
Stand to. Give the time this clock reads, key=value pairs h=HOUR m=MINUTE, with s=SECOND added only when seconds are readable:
h=5 m=7
